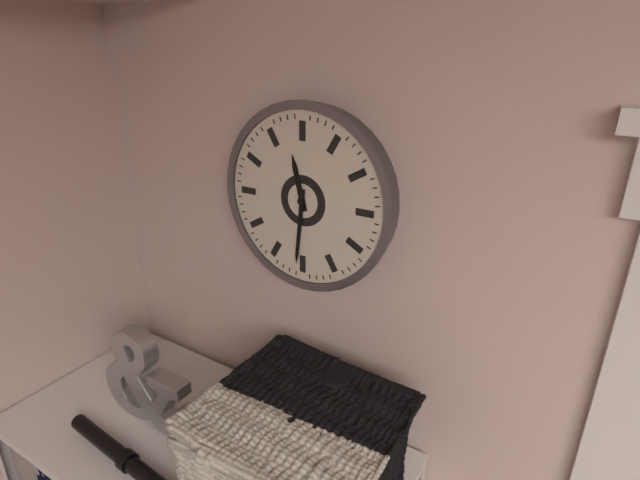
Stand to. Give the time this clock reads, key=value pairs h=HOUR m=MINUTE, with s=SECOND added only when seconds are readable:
h=11 m=31
